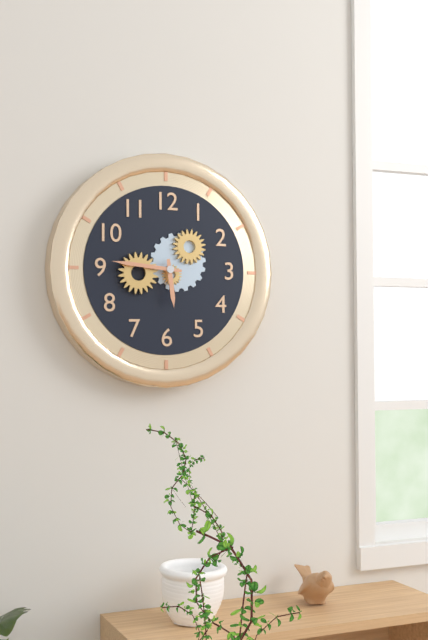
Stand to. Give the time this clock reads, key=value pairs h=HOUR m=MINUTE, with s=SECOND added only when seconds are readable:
h=5 m=46
